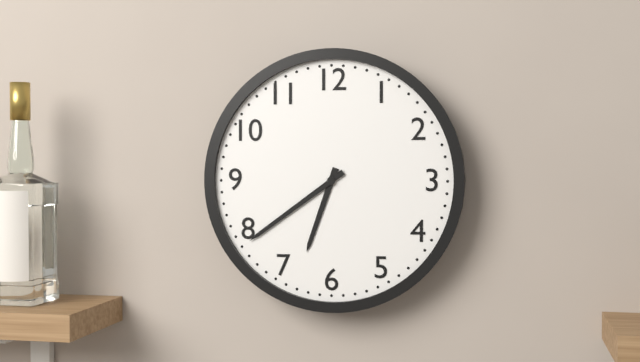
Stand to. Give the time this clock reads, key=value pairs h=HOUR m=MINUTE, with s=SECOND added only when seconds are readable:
h=6 m=39
